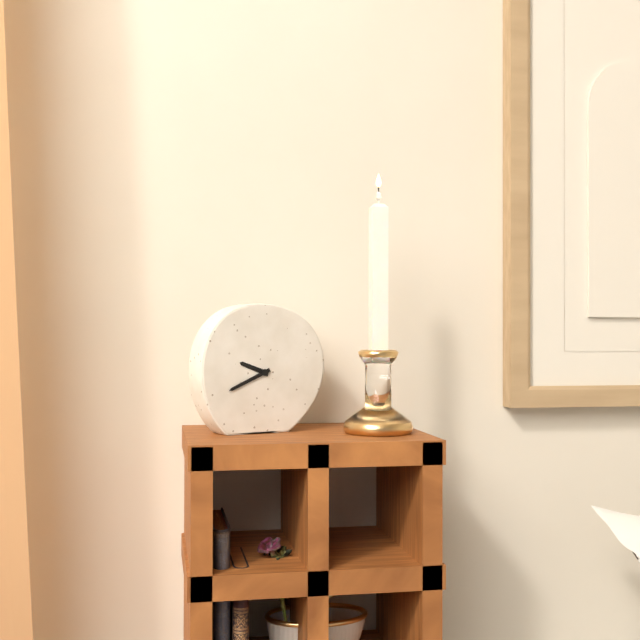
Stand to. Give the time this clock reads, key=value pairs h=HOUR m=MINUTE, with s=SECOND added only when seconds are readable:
h=9 m=41
